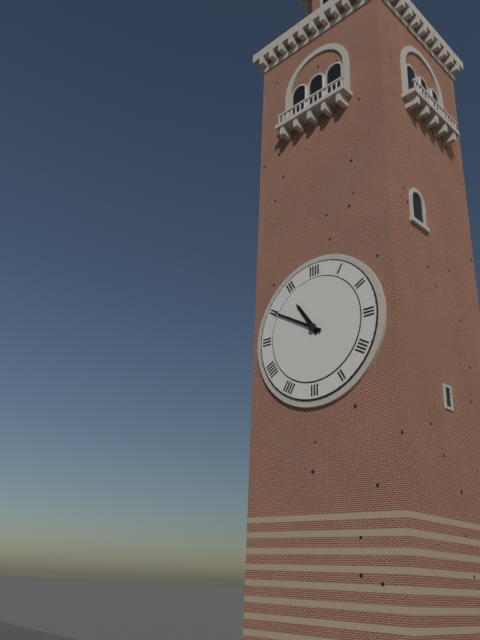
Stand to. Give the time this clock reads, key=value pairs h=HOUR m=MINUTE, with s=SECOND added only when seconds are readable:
h=10 m=50
